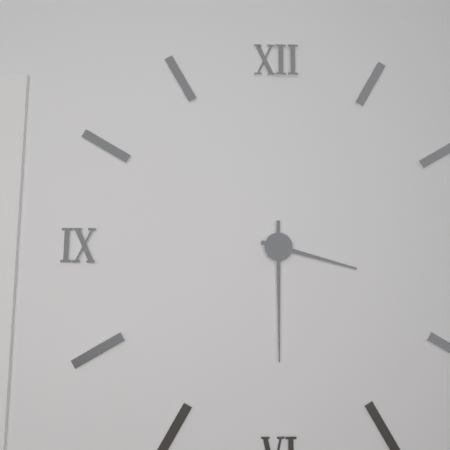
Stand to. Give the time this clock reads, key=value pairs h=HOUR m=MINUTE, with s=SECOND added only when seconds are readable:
h=3 m=30
